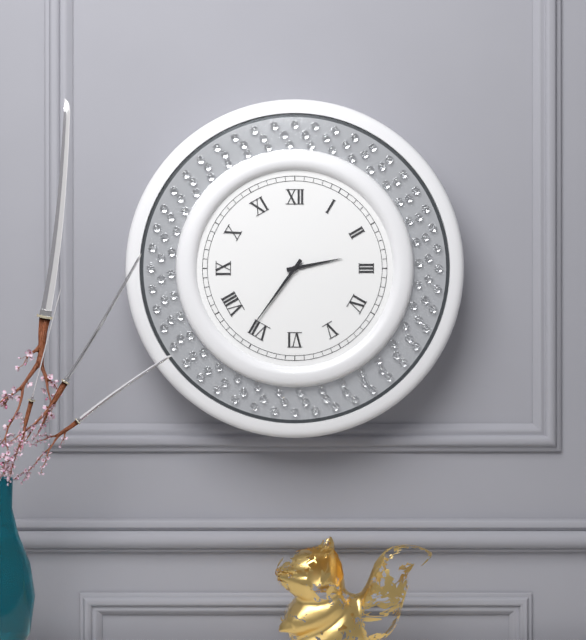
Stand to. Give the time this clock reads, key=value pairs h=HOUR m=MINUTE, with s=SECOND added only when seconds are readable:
h=2 m=36
